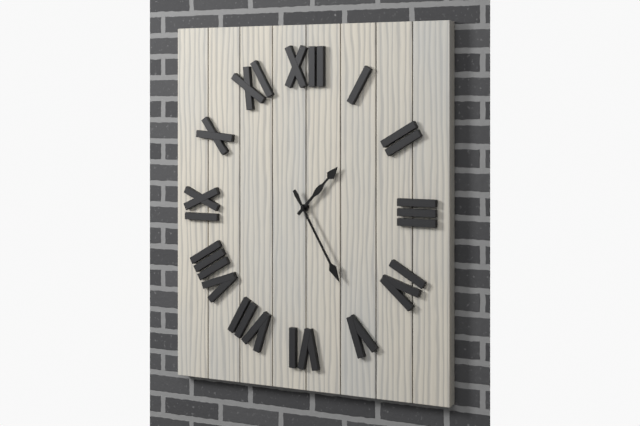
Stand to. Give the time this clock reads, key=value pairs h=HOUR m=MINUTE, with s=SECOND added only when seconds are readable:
h=1 m=25
